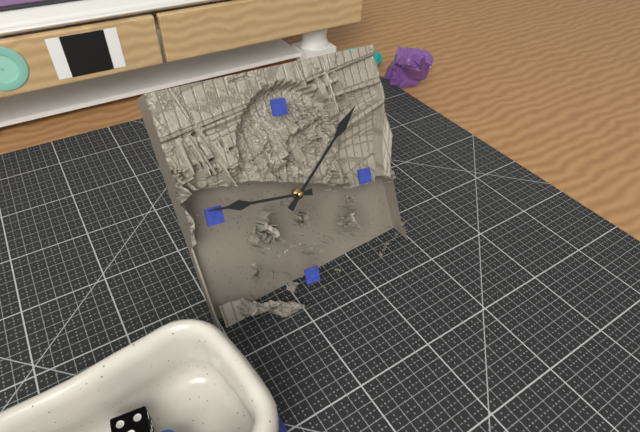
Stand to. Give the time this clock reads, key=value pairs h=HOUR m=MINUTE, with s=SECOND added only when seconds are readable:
h=9 m=8
